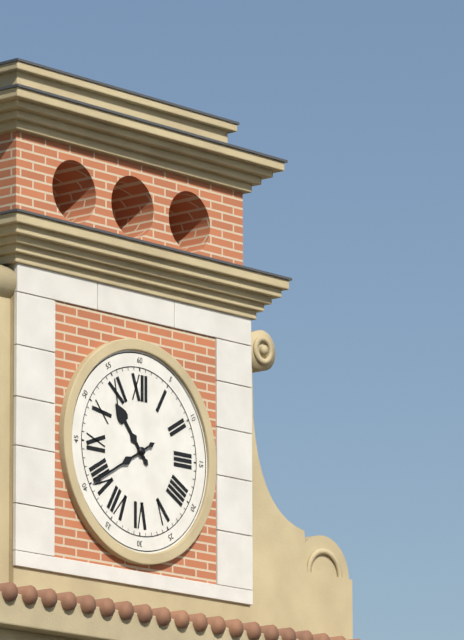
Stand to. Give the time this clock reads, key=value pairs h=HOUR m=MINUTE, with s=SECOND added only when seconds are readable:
h=10 m=40
